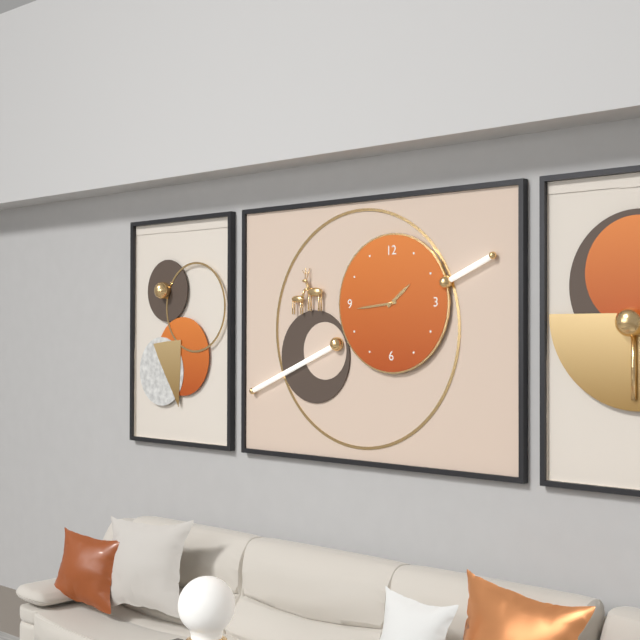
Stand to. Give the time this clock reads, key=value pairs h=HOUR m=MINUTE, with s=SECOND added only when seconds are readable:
h=1 m=44
